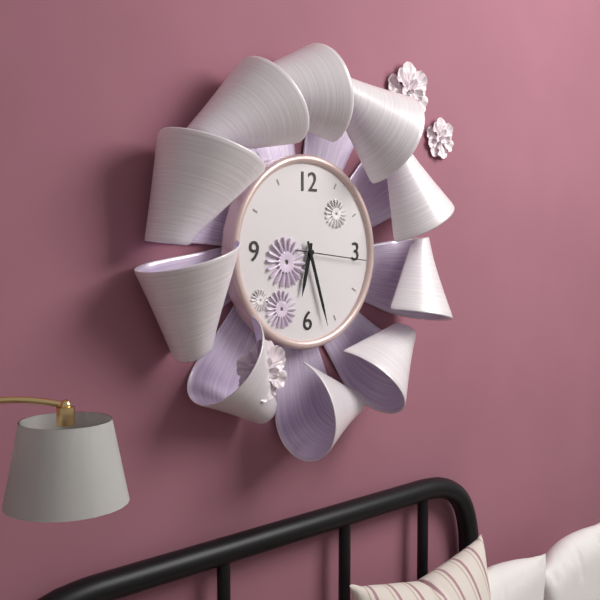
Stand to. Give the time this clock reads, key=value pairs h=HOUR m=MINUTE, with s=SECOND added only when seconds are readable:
h=6 m=27 s=16
